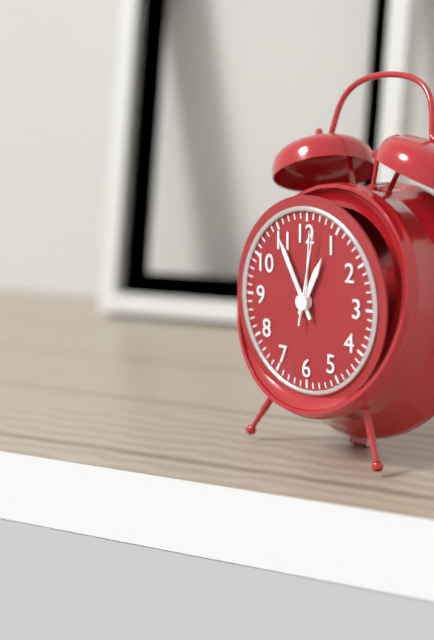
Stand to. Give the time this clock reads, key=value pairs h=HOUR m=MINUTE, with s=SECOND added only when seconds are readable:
h=12 m=55 s=2
